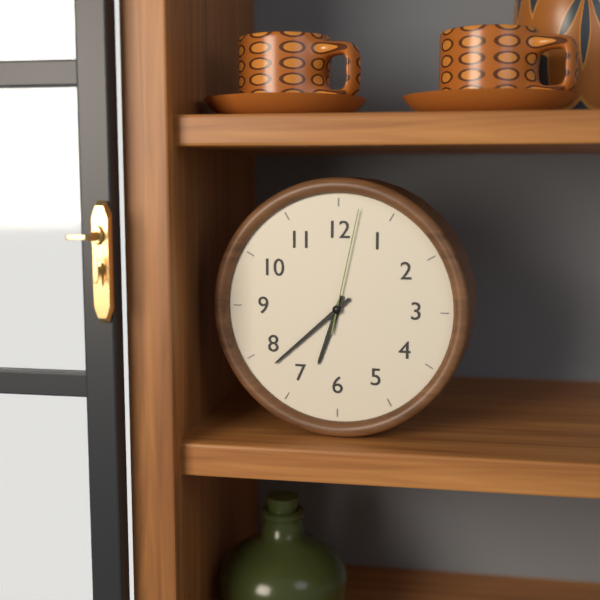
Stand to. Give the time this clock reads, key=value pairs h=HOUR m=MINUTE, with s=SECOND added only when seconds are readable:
h=6 m=38 s=2
